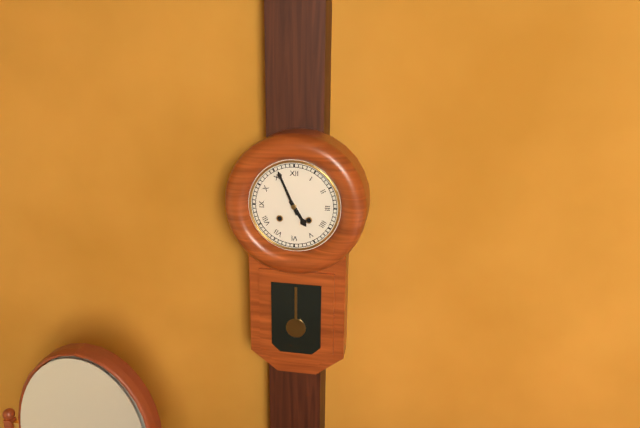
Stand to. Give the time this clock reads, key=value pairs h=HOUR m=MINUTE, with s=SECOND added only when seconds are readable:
h=4 m=56
